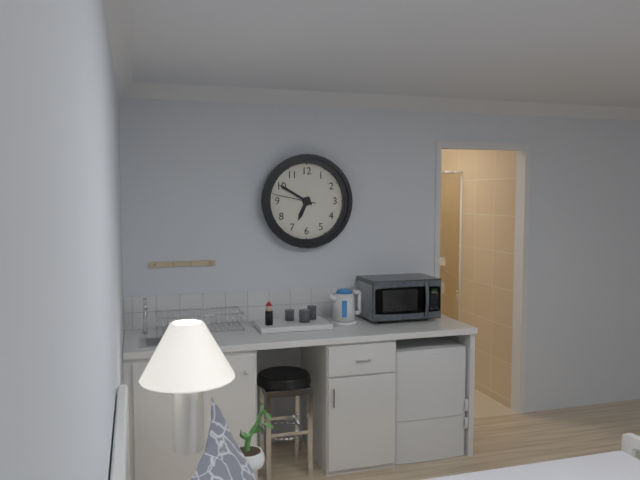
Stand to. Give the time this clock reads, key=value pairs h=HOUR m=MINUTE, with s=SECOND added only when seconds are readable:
h=6 m=50
